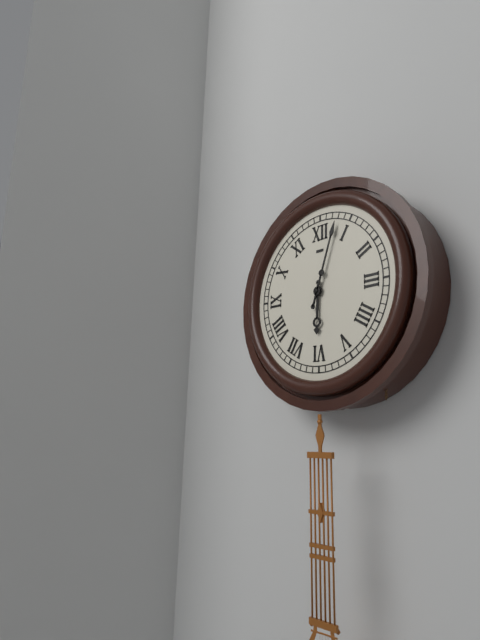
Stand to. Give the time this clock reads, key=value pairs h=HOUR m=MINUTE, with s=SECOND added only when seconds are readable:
h=6 m=3
